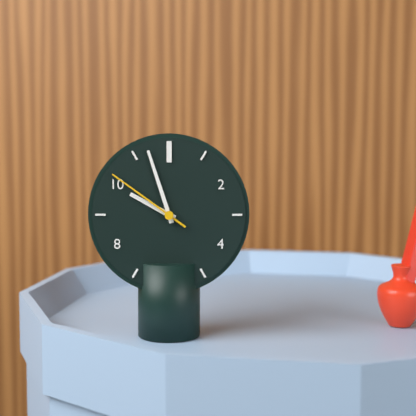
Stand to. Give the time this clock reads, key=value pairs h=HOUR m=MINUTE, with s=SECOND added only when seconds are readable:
h=9 m=57 s=51
